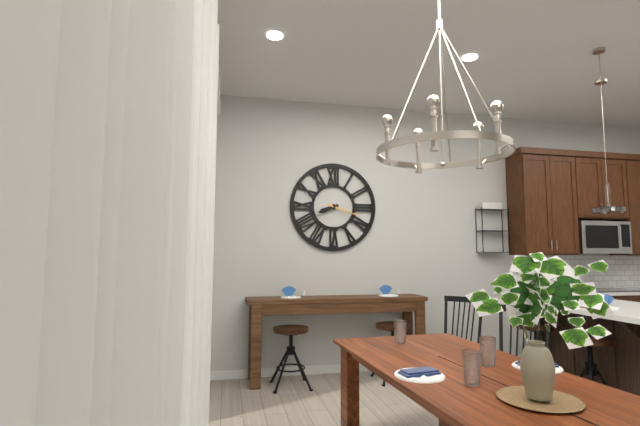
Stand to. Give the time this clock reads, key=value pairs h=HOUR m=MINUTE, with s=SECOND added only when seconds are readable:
h=8 m=18
